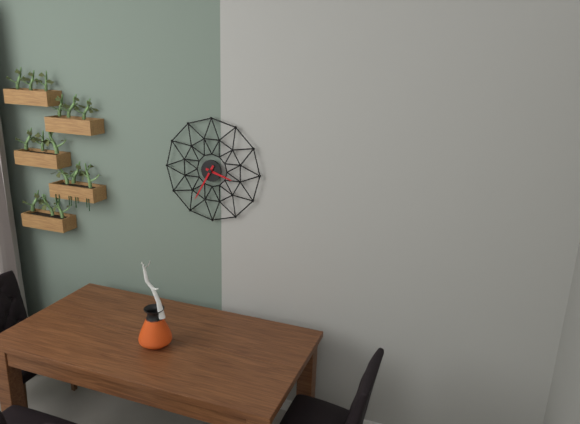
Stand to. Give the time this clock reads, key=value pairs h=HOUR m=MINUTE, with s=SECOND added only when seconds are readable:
h=3 m=35
